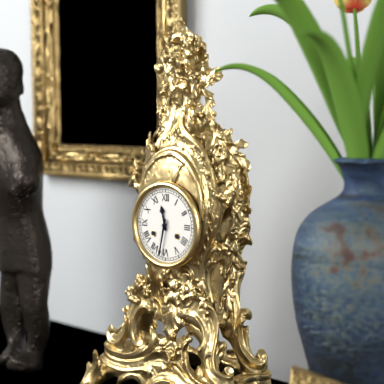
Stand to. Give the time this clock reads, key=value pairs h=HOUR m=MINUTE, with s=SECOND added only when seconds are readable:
h=11 m=32
